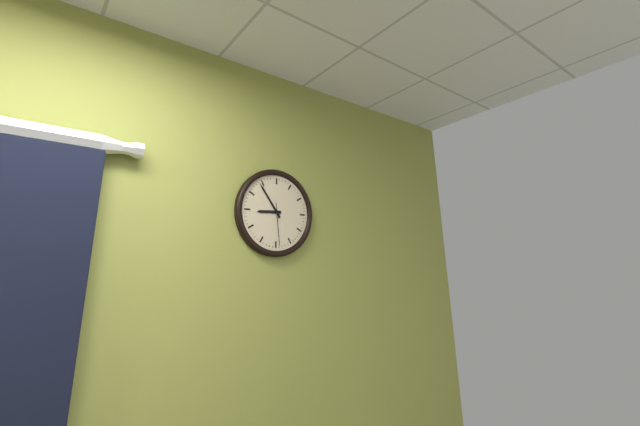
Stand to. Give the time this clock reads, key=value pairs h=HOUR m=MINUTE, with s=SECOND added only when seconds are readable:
h=8 m=54
